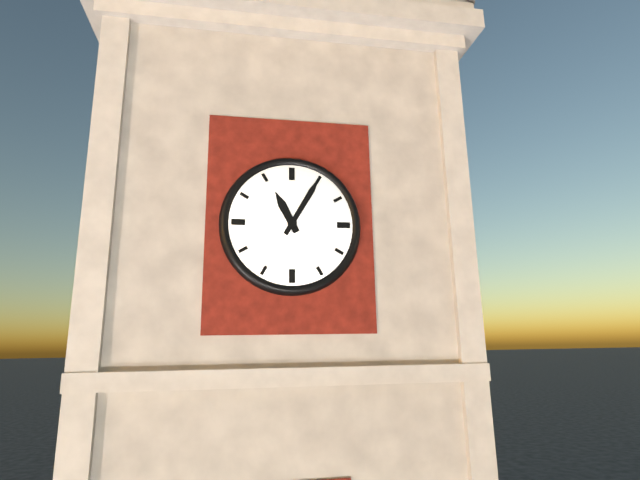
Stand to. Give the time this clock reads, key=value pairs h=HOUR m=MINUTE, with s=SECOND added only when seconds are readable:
h=11 m=5
